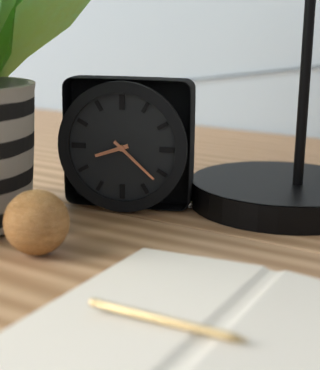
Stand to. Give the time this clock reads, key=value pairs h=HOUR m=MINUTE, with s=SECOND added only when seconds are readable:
h=8 m=22
